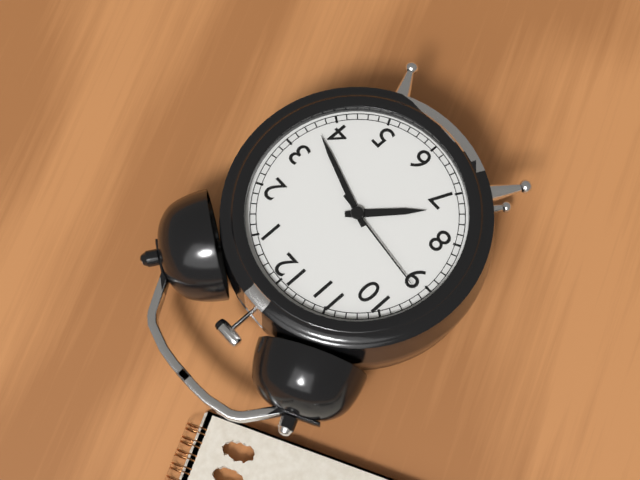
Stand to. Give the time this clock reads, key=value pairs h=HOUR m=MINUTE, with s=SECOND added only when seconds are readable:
h=7 m=18 s=46
